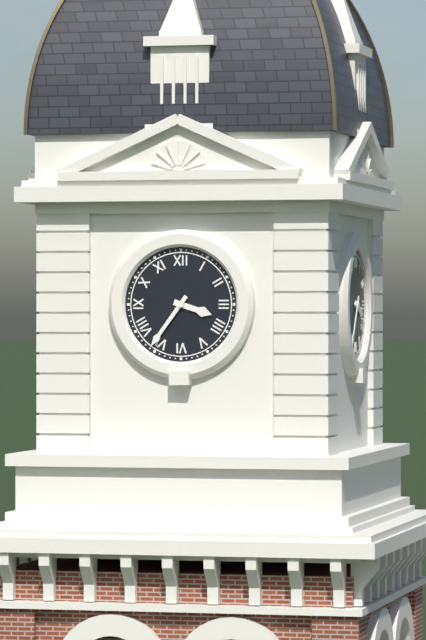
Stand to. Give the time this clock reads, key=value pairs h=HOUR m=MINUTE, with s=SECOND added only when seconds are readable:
h=3 m=36
